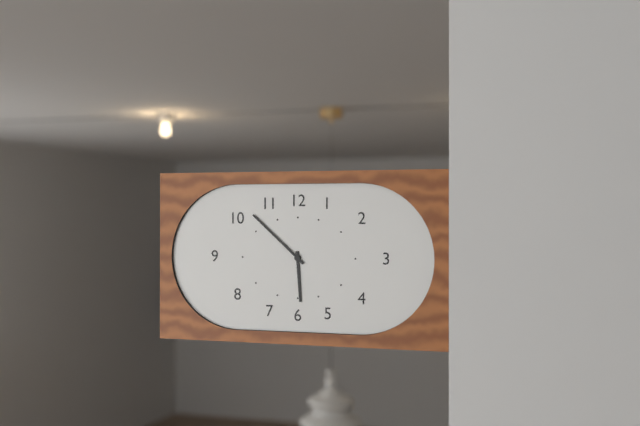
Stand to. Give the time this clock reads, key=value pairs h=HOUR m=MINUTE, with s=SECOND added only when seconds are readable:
h=5 m=52
